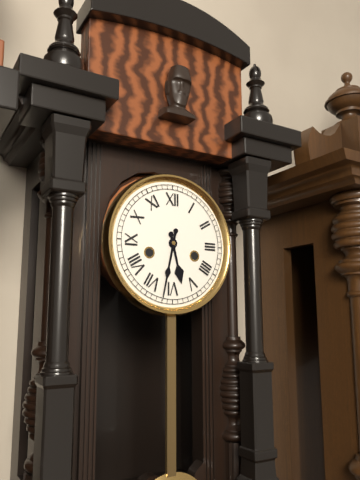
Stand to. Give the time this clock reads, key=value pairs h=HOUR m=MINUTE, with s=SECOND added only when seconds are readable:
h=5 m=32
